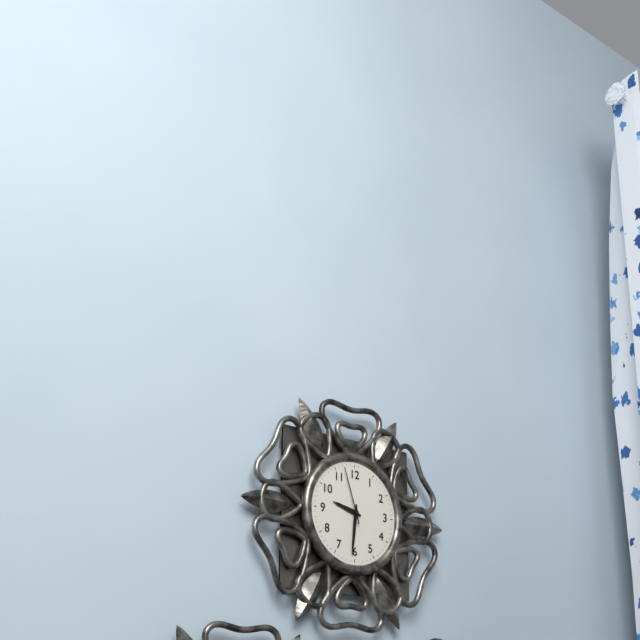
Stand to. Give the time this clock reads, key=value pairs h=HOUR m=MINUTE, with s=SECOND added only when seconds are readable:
h=9 m=31 s=57
